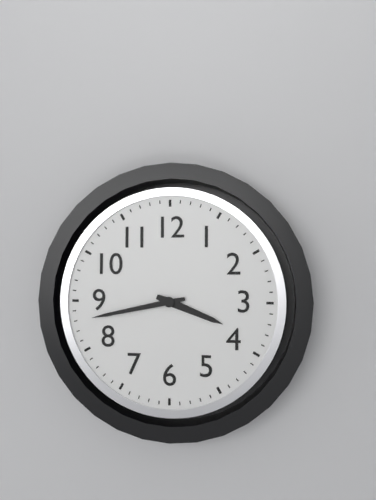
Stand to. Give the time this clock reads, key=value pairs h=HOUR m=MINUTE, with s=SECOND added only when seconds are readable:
h=3 m=43
